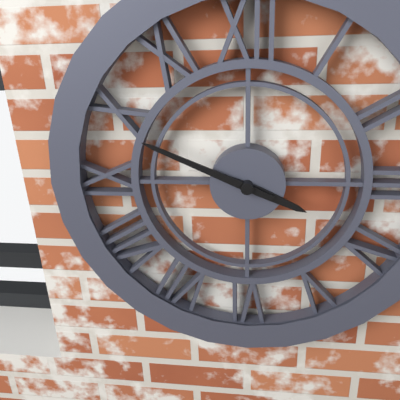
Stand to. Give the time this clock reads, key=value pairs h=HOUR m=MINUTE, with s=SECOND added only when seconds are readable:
h=3 m=49
